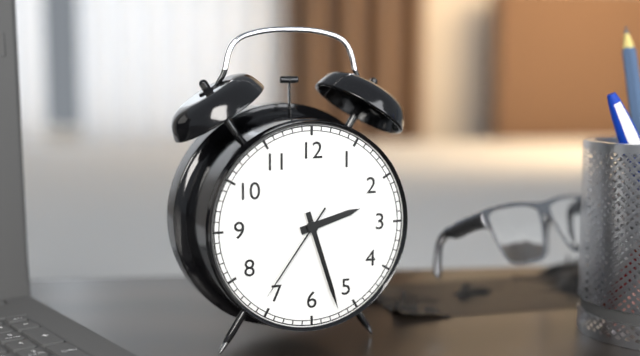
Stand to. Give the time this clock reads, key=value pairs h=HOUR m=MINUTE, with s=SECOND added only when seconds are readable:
h=2 m=27 s=36
